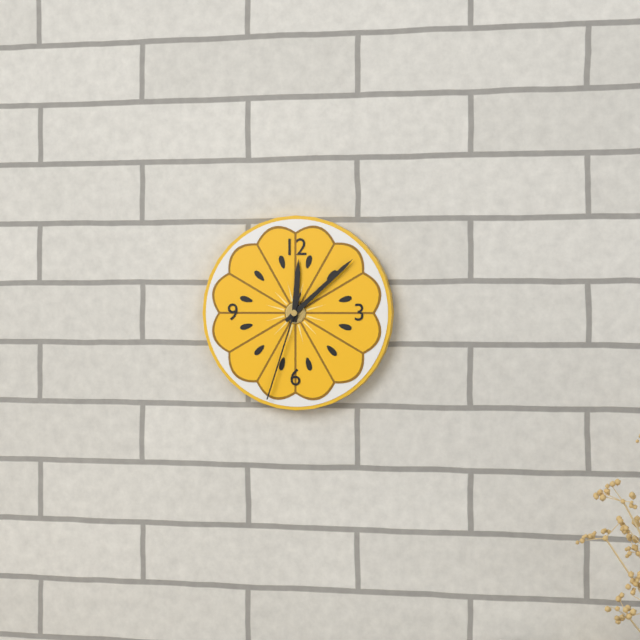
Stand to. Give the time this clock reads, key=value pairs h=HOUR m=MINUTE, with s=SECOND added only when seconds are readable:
h=12 m=8 s=33
